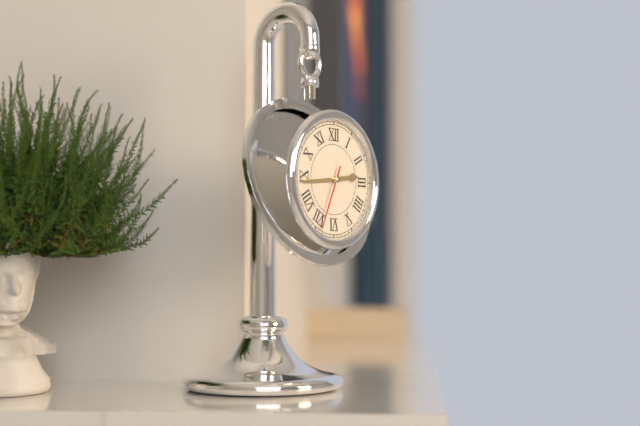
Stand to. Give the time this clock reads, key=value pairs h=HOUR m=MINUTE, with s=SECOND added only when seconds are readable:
h=2 m=44 s=34
